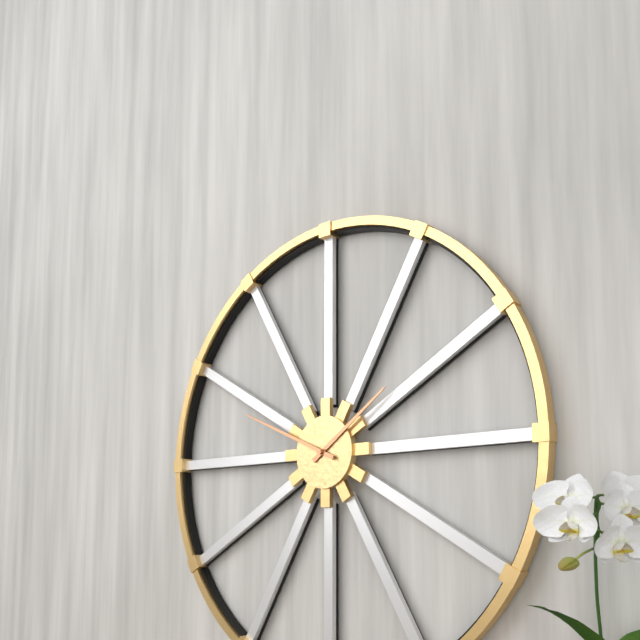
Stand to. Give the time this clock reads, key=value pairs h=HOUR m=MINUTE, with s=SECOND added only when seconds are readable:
h=1 m=49
